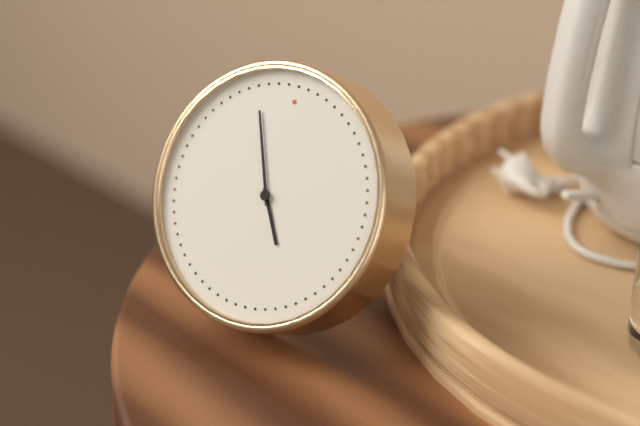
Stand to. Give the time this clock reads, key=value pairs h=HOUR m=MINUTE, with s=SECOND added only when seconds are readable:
h=4 m=56
